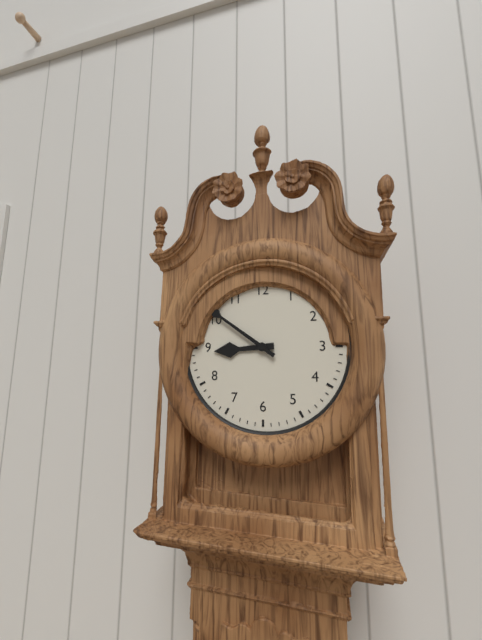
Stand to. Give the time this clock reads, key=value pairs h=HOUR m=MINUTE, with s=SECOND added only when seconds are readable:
h=8 m=51
